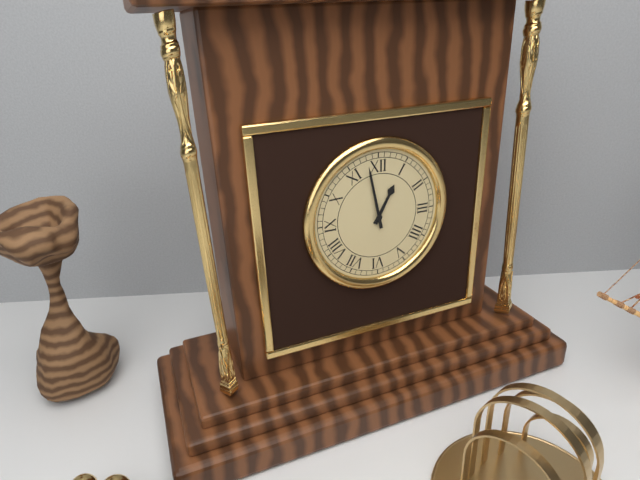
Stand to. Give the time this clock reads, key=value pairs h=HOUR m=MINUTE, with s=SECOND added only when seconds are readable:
h=12 m=58
